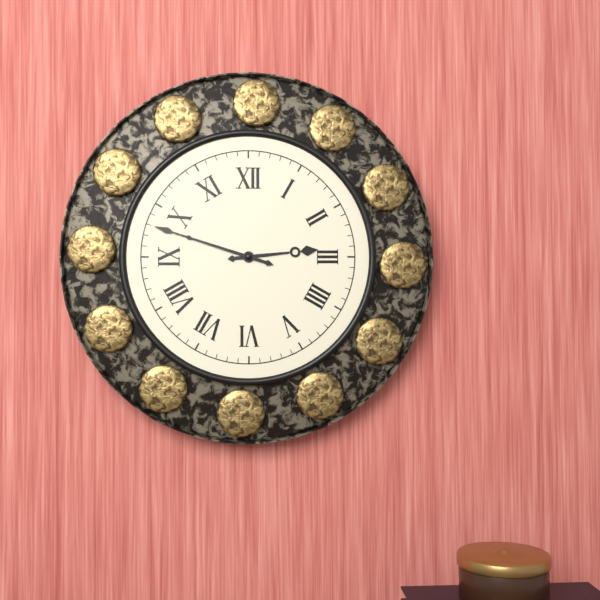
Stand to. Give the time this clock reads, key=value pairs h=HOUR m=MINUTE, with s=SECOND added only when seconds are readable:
h=2 m=48
